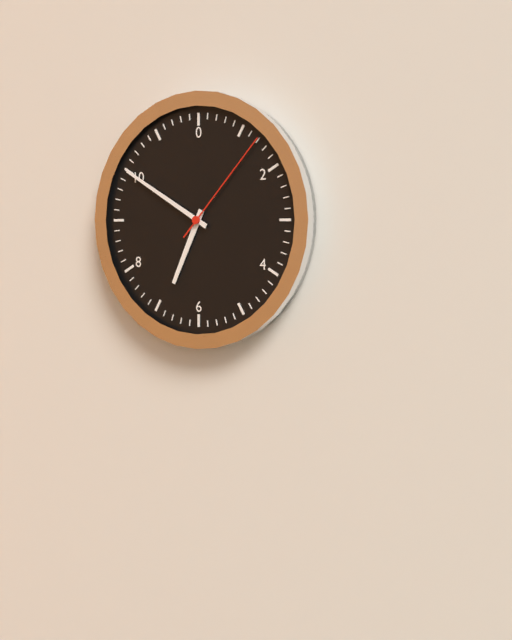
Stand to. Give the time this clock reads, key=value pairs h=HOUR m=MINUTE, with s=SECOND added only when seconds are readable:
h=6 m=50 s=7
